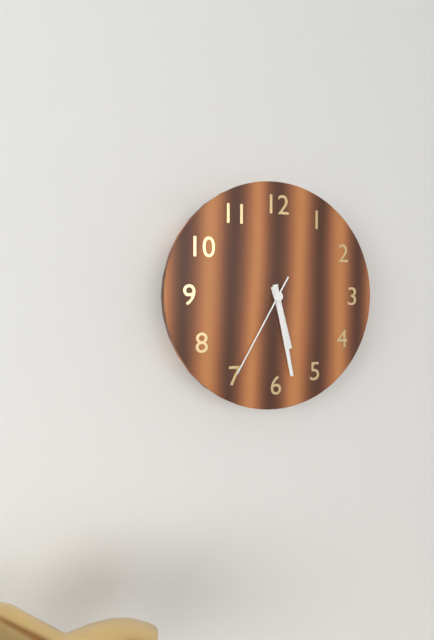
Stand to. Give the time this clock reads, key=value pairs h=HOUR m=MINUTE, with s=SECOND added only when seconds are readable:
h=5 m=28 s=35
